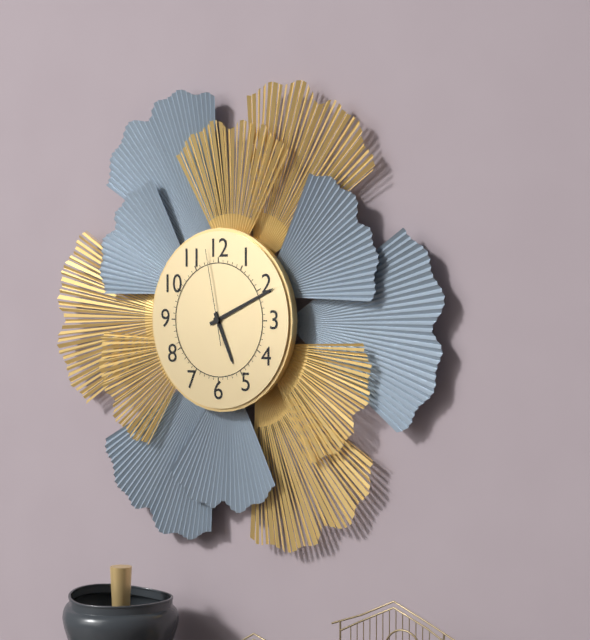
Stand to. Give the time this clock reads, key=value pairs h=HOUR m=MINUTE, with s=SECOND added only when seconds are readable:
h=5 m=11 s=58
